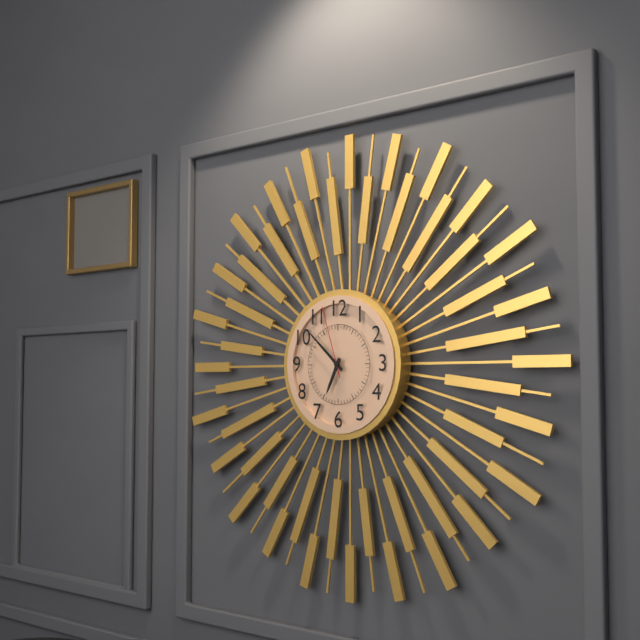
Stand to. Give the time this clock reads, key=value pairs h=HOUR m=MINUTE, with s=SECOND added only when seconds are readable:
h=6 m=52 s=57
